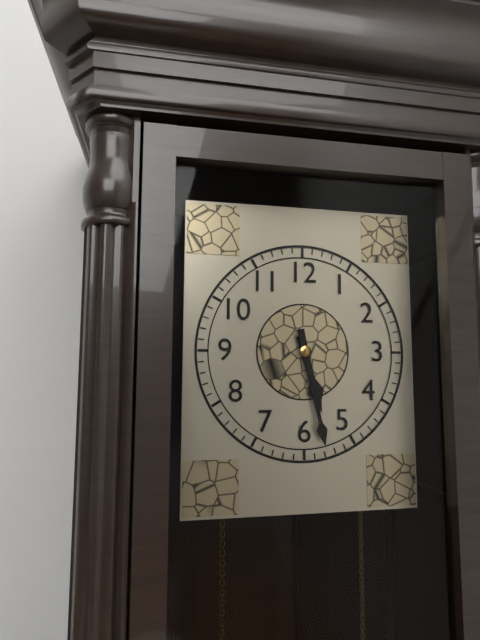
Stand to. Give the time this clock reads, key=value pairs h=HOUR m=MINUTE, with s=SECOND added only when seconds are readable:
h=5 m=28
